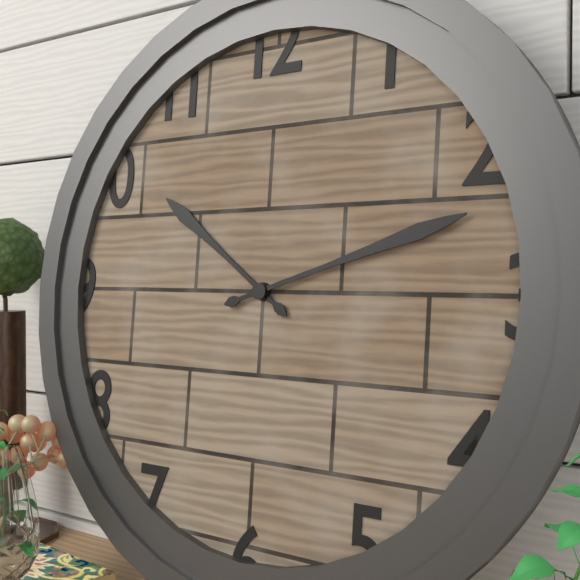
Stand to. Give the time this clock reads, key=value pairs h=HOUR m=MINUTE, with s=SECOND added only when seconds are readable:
h=10 m=12
